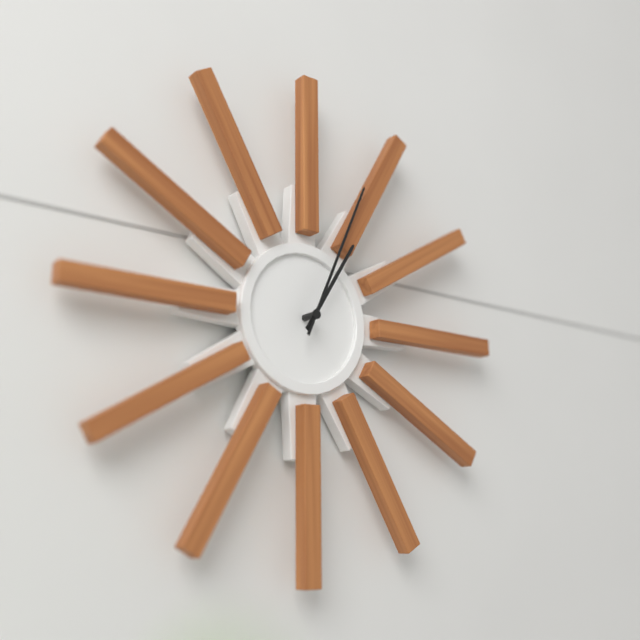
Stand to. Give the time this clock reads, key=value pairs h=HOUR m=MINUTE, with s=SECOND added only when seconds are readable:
h=1 m=4
